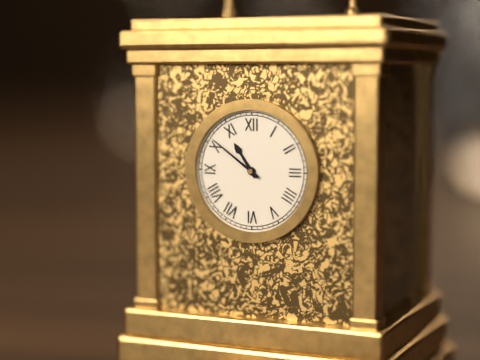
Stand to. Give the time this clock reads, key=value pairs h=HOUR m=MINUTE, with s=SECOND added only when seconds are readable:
h=10 m=51
